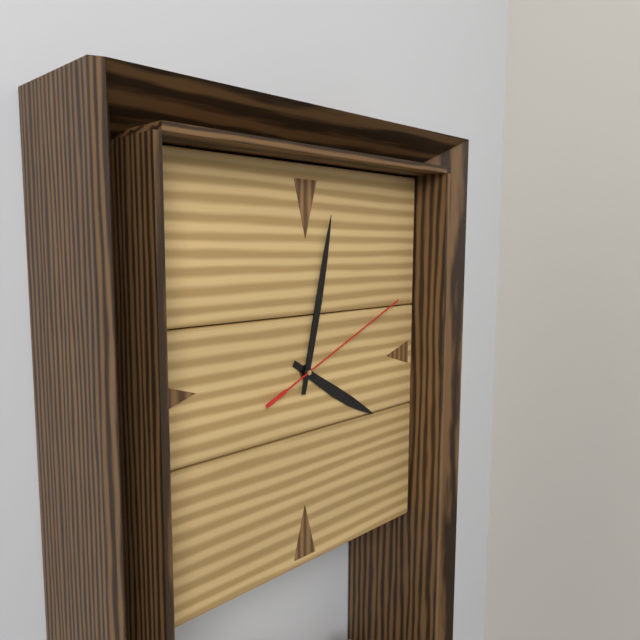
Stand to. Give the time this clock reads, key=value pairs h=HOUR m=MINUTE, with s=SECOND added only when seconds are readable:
h=4 m=2 s=11
